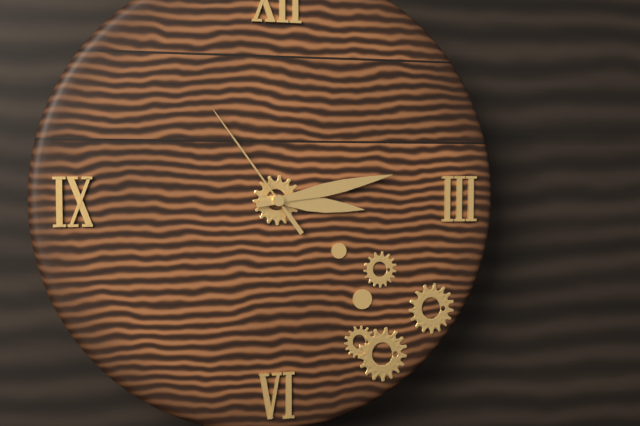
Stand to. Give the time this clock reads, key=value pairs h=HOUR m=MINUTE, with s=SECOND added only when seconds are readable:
h=3 m=13 s=54
